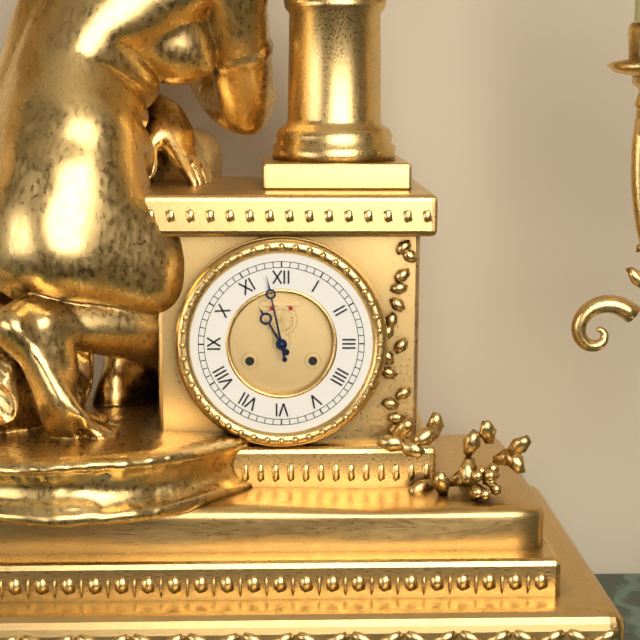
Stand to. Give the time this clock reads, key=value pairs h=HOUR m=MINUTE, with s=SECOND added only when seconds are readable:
h=10 m=58
